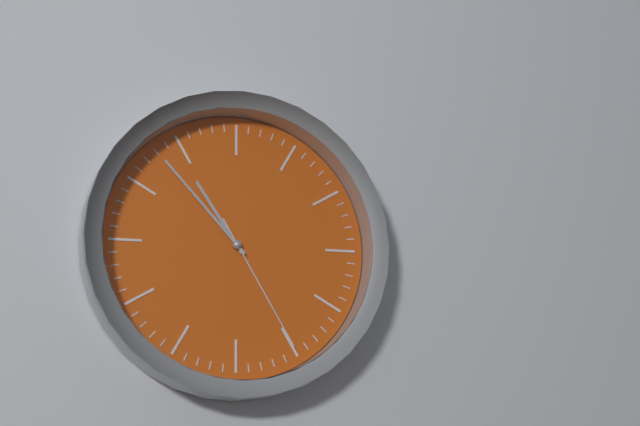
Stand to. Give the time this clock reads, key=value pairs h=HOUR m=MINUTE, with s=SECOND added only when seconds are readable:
h=10 m=53 s=25
